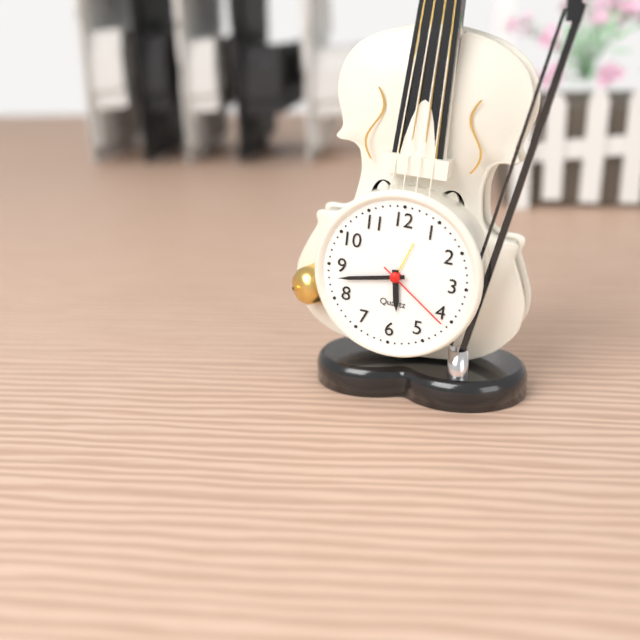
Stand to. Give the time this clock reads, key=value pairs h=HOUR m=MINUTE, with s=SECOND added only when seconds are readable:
h=5 m=43 s=21
